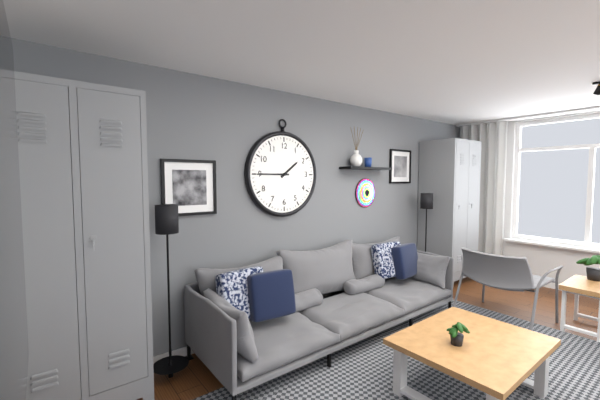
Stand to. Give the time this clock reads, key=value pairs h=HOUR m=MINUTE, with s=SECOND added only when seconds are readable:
h=1 m=45
